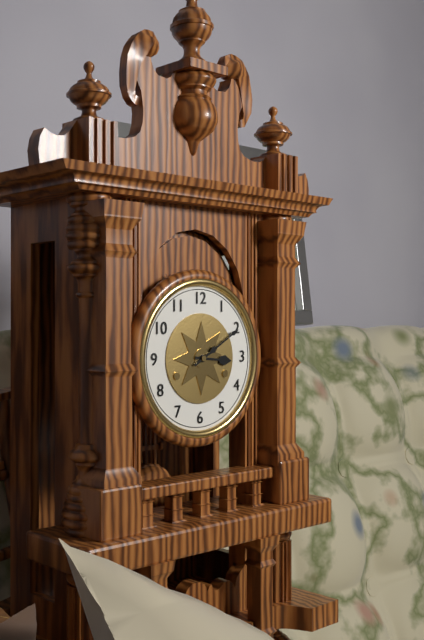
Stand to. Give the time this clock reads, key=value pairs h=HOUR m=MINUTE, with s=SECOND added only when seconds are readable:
h=3 m=10
